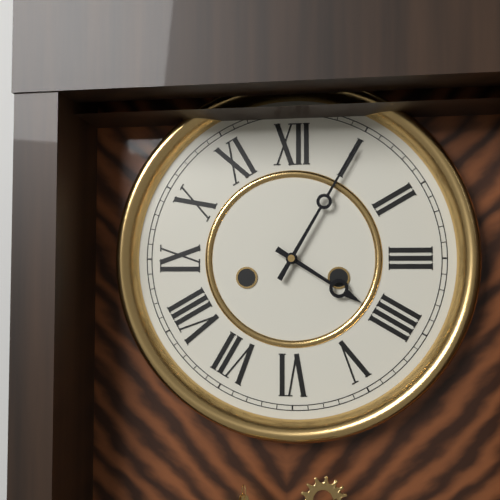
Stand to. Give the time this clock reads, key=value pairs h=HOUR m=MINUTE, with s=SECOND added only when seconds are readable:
h=4 m=5
